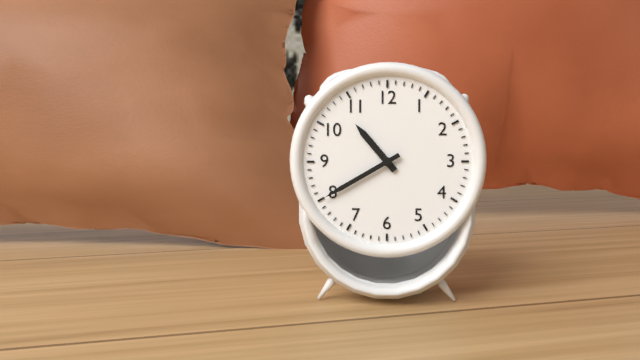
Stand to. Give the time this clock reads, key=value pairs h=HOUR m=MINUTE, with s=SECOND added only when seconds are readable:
h=10 m=40
